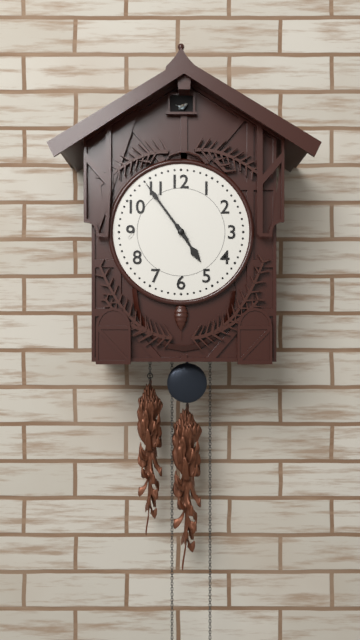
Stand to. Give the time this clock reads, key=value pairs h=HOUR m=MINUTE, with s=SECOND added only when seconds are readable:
h=4 m=54
